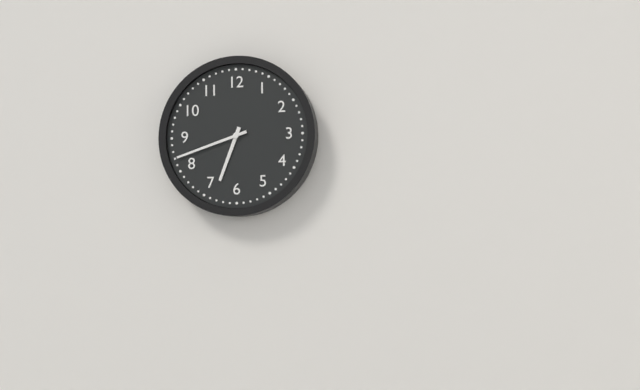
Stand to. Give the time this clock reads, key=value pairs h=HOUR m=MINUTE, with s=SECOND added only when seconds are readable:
h=6 m=42
